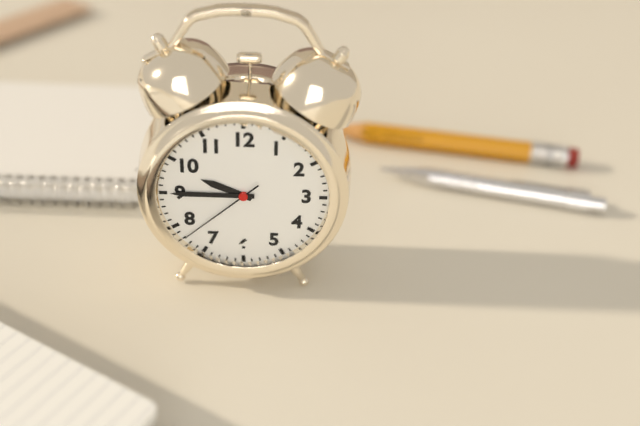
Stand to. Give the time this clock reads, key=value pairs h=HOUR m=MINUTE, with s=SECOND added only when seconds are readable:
h=9 m=45 s=38
